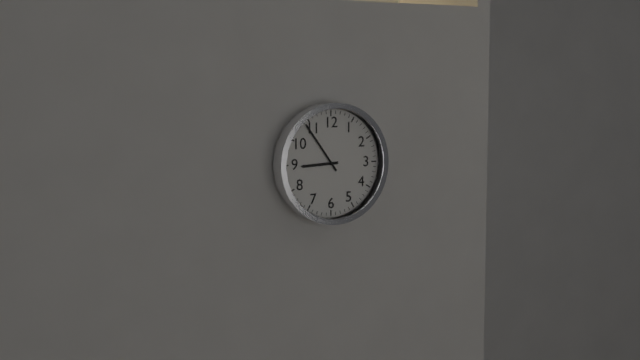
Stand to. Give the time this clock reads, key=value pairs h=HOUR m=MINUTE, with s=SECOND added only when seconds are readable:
h=8 m=54
